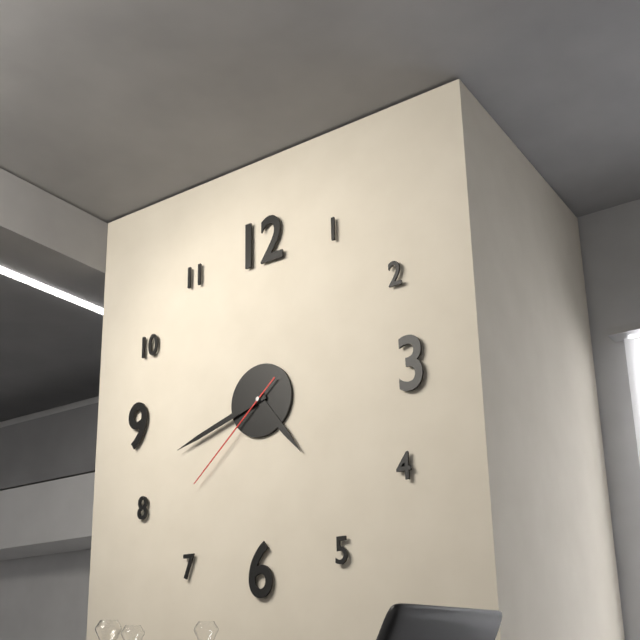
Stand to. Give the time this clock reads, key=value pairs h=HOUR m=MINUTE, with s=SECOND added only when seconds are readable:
h=4 m=42 s=38
